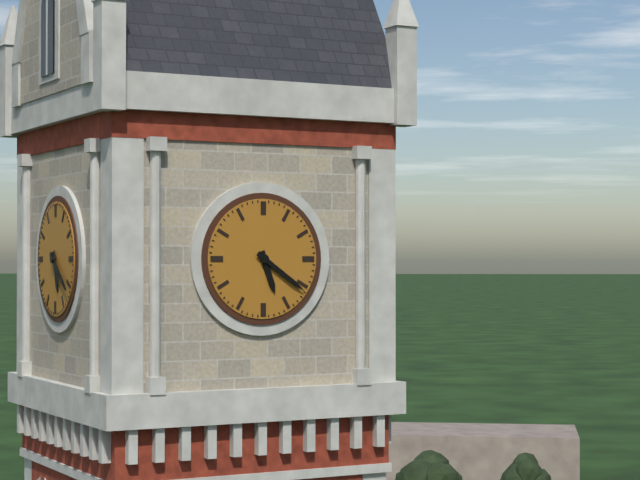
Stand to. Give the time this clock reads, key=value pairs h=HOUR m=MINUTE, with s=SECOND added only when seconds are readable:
h=5 m=21
